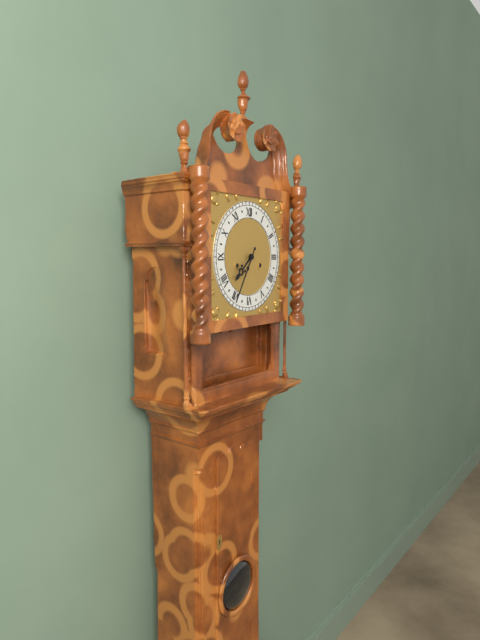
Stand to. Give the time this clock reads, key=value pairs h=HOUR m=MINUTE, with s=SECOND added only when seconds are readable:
h=7 m=35
